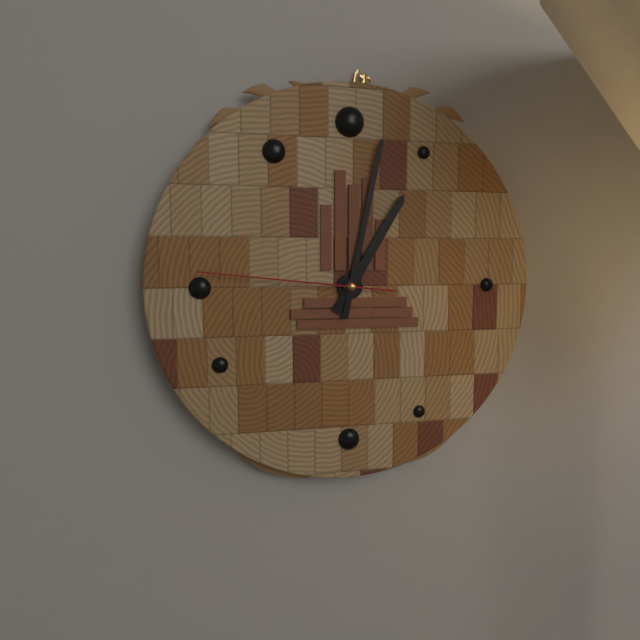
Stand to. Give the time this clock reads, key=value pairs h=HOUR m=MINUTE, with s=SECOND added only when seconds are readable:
h=1 m=2 s=46
